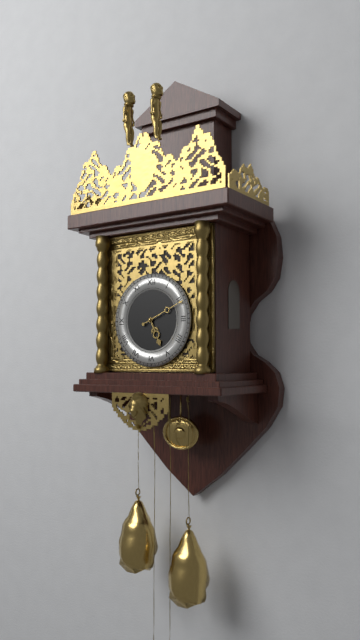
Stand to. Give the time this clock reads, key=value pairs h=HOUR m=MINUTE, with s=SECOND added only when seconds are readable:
h=5 m=11
